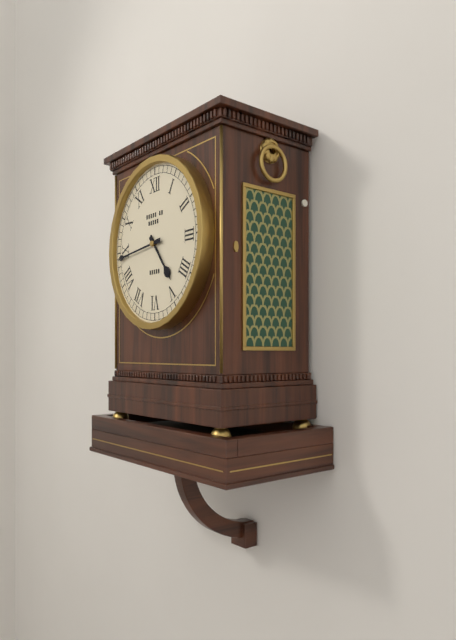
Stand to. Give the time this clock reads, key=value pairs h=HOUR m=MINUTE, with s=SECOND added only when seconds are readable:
h=4 m=44
